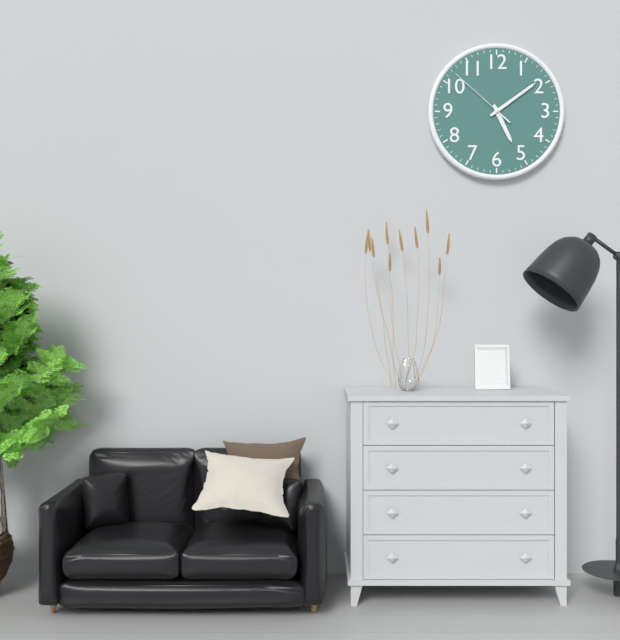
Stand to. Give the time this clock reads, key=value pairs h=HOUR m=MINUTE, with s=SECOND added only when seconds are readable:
h=5 m=9 s=52
